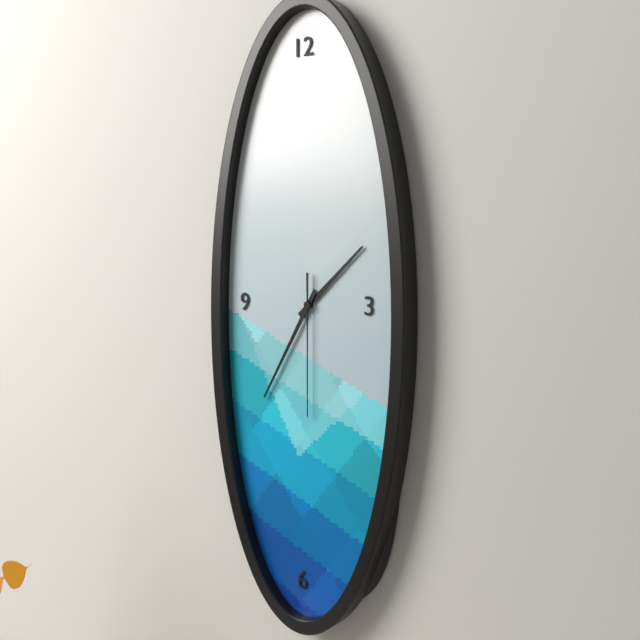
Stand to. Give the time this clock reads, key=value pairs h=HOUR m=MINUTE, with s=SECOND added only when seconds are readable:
h=1 m=35 s=30
